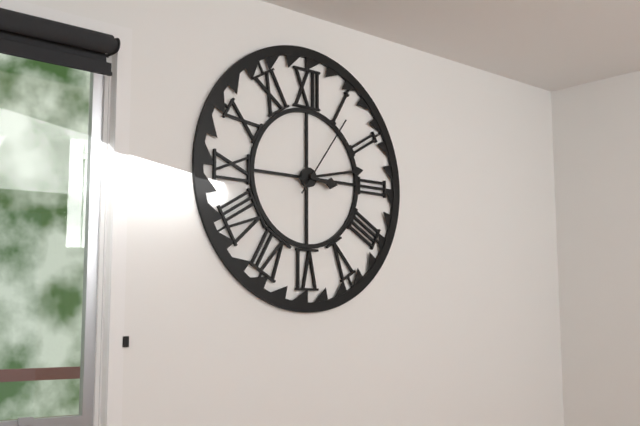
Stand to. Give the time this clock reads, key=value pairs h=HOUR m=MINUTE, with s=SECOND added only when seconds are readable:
h=3 m=13 s=6
